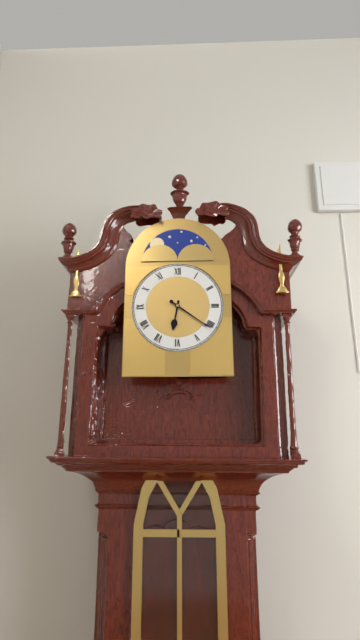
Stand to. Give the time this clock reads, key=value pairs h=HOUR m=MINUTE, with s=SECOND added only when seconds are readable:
h=6 m=21
